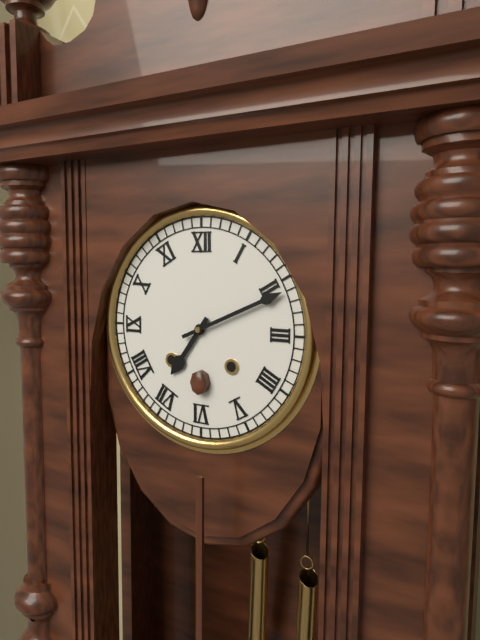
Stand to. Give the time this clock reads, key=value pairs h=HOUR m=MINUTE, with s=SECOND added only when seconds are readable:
h=7 m=11
